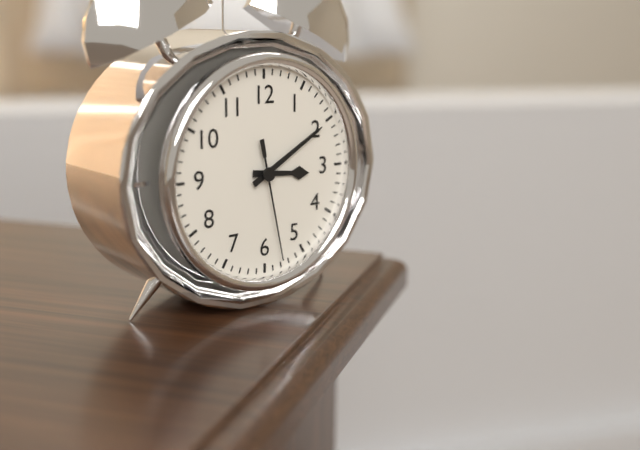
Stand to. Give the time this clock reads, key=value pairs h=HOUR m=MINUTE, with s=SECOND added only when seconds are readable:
h=3 m=10 s=28
